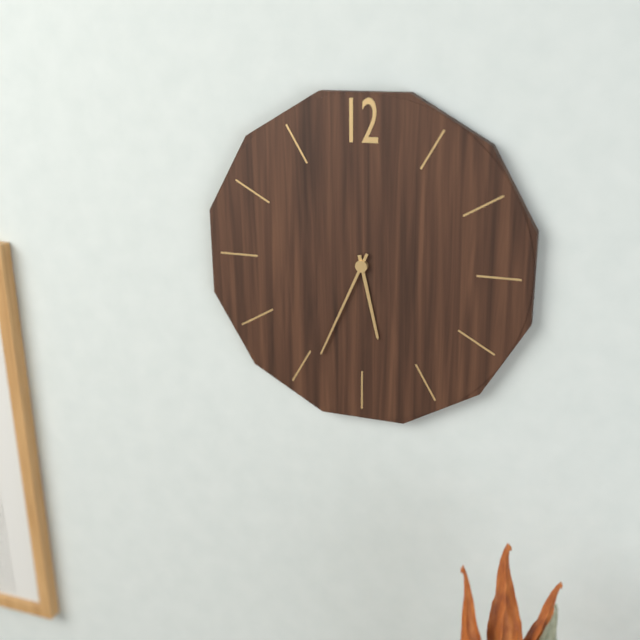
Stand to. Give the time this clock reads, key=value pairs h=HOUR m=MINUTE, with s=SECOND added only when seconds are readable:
h=5 m=34
